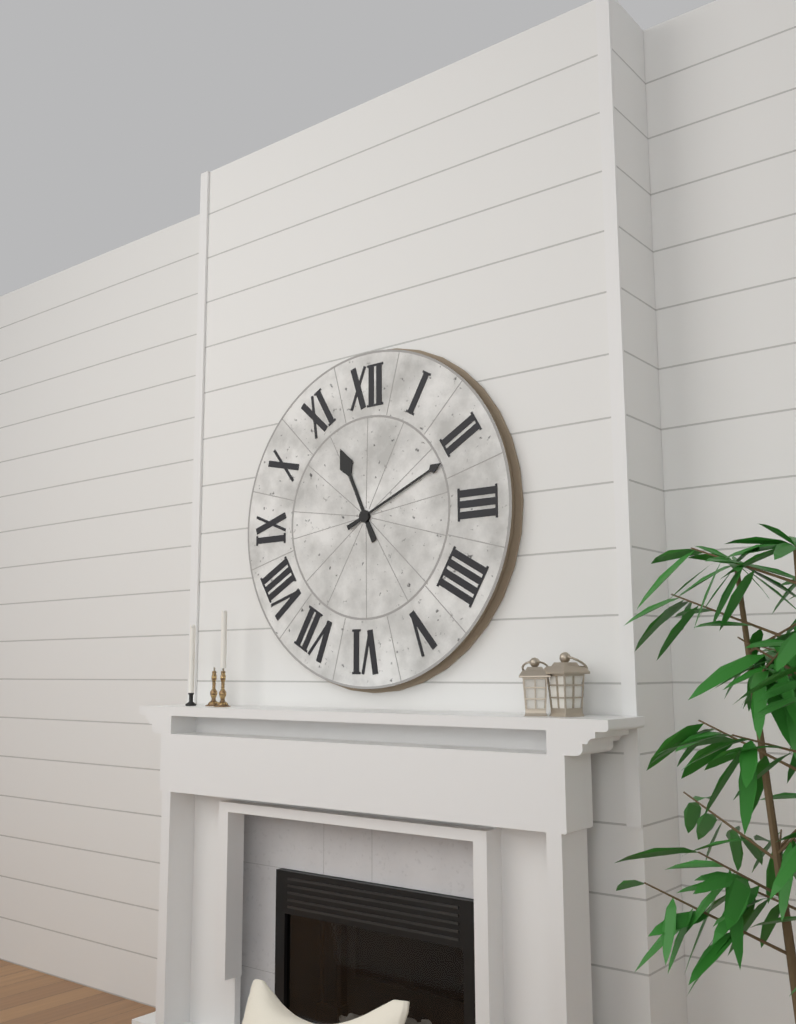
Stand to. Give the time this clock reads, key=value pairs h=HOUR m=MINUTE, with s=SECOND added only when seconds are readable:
h=11 m=11
